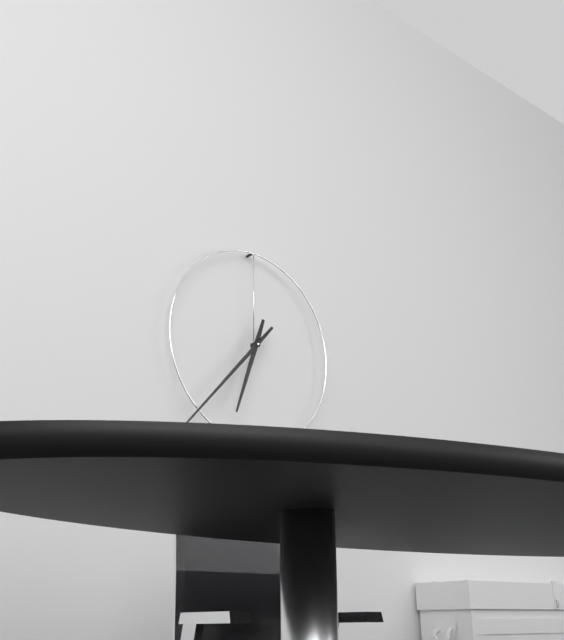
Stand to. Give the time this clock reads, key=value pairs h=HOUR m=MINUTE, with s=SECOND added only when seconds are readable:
h=6 m=37
